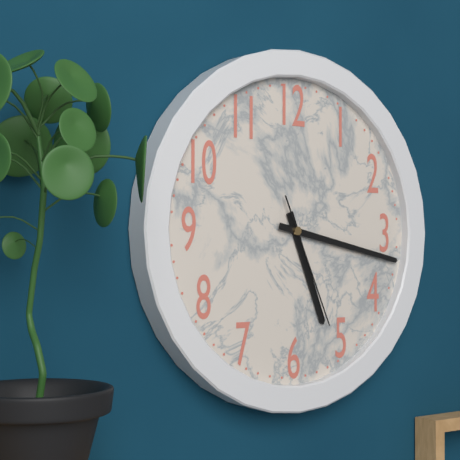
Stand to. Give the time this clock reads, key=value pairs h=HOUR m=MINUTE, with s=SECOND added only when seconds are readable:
h=5 m=17 s=26
